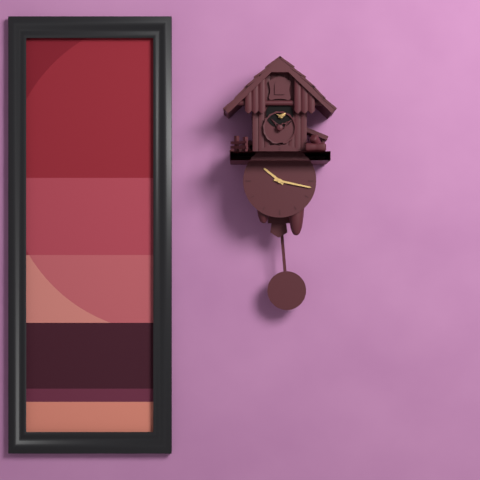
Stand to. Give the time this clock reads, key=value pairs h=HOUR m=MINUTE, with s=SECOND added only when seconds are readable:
h=10 m=17
